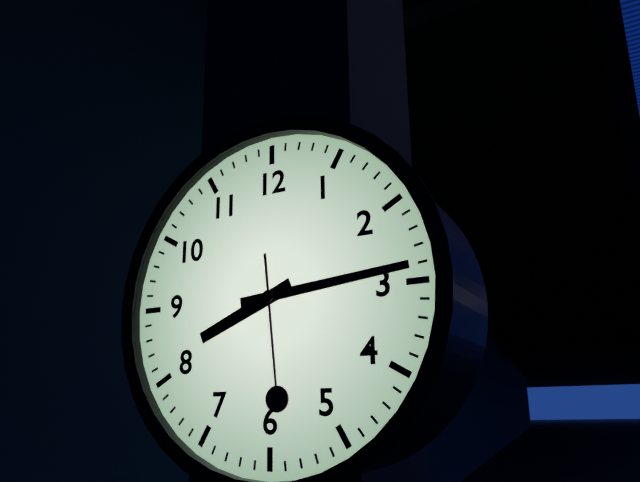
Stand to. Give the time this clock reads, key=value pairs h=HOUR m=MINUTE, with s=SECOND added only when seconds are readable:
h=8 m=14 s=29
